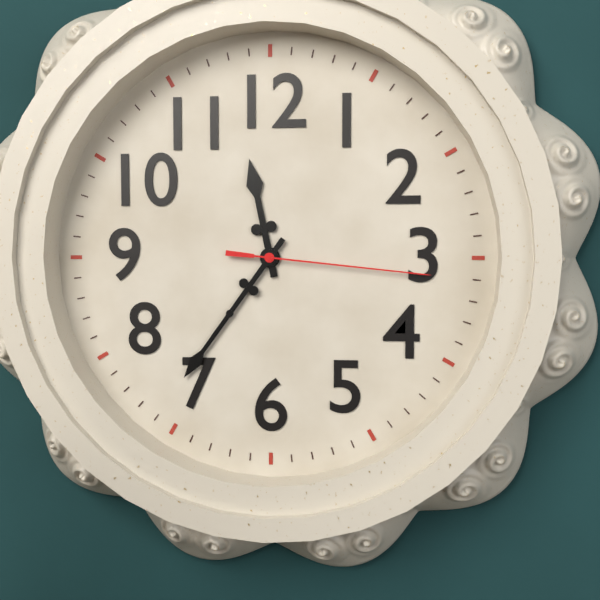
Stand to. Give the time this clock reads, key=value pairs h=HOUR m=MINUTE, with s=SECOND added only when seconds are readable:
h=11 m=36 s=16
